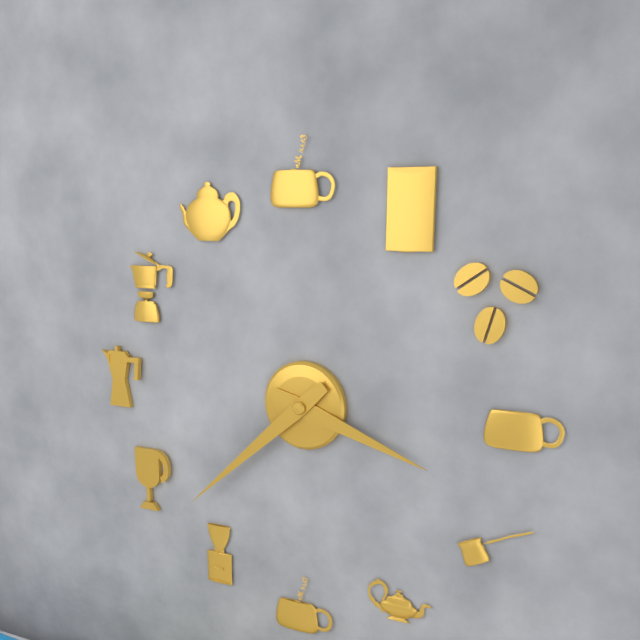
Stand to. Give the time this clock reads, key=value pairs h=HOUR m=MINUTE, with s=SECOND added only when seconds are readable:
h=3 m=38
